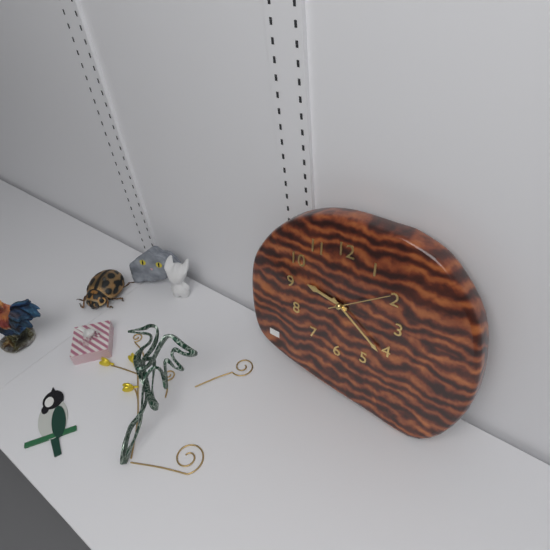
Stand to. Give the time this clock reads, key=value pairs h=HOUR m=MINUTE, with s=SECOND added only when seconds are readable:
h=9 m=21 s=9
